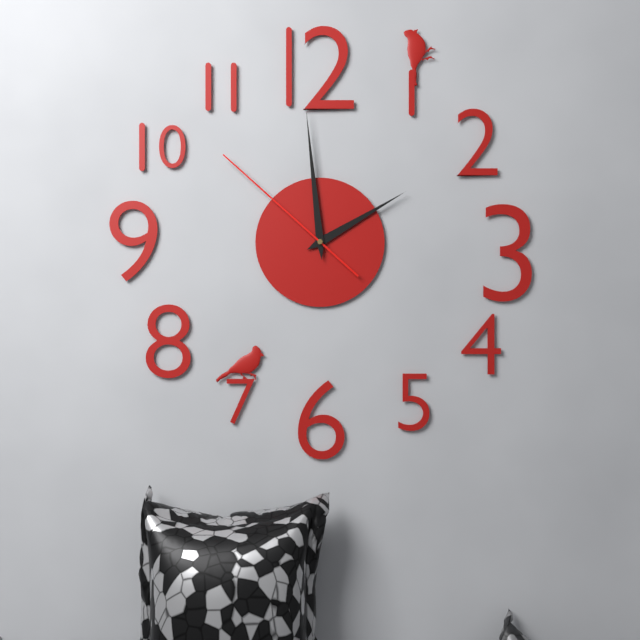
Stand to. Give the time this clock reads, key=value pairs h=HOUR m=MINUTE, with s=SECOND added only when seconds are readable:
h=1 m=59 s=52
